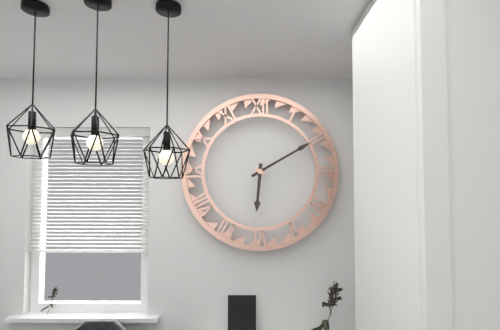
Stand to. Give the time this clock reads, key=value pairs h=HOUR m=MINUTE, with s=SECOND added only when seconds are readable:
h=6 m=10
